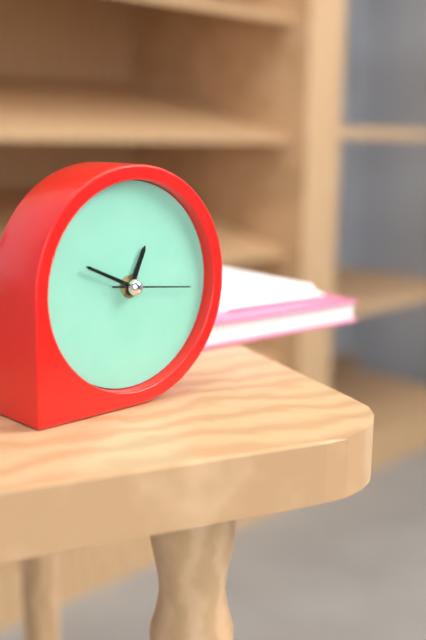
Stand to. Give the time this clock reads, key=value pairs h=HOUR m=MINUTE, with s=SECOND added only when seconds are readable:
h=12 m=49 s=16
